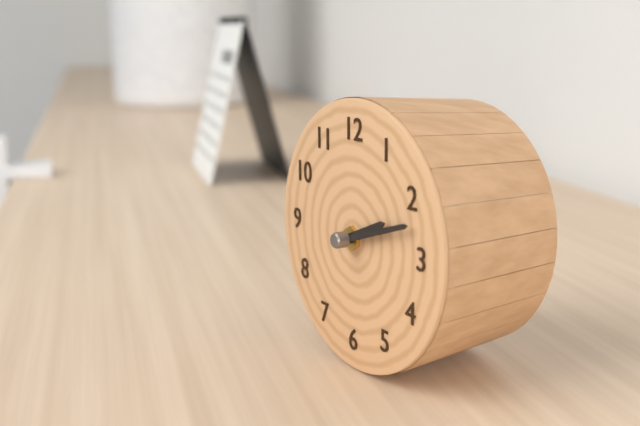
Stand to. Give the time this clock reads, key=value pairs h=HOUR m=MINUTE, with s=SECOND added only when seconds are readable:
h=2 m=12
